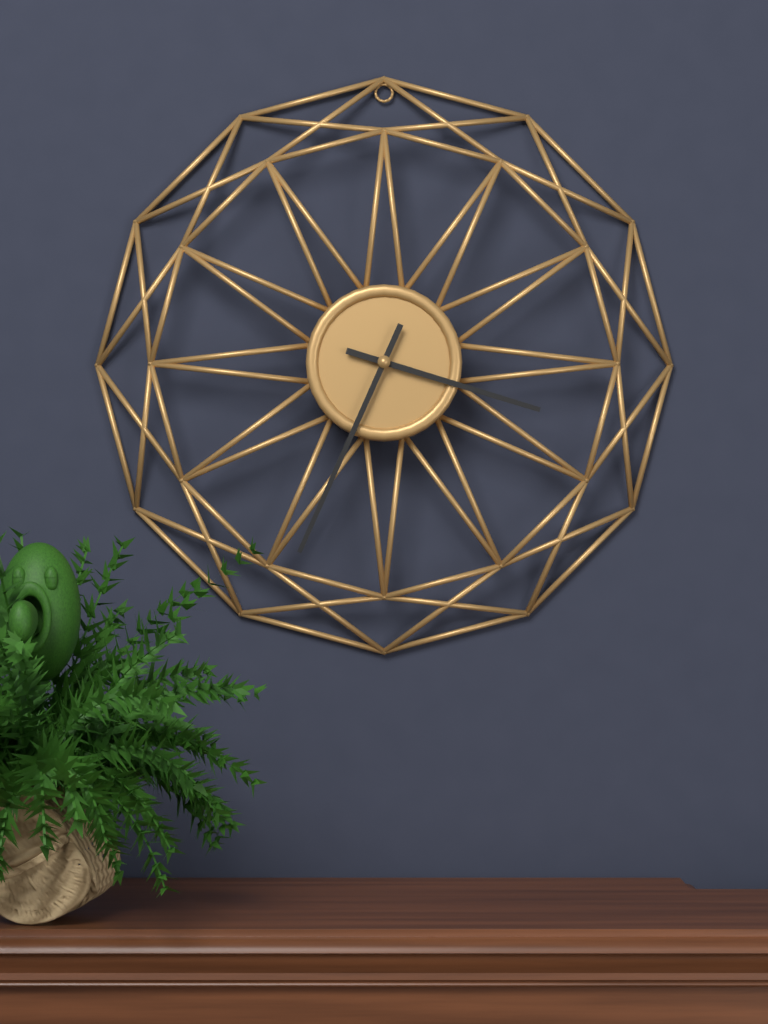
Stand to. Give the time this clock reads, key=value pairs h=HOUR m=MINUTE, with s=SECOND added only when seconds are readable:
h=3 m=34
